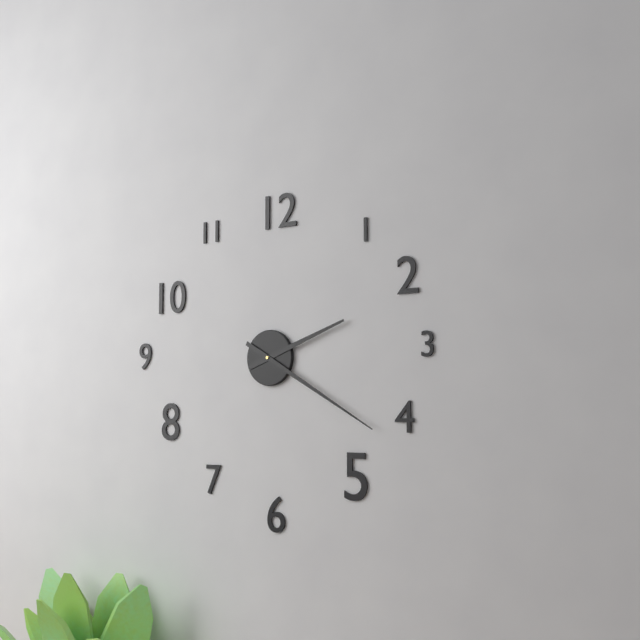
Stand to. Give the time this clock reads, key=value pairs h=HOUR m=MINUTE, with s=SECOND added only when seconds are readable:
h=2 m=20
